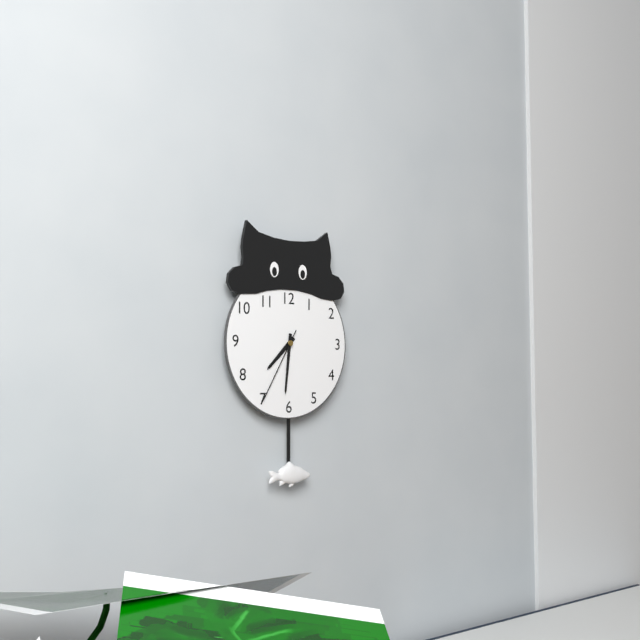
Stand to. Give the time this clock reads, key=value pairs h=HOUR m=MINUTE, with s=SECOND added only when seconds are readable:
h=7 m=31 s=35
